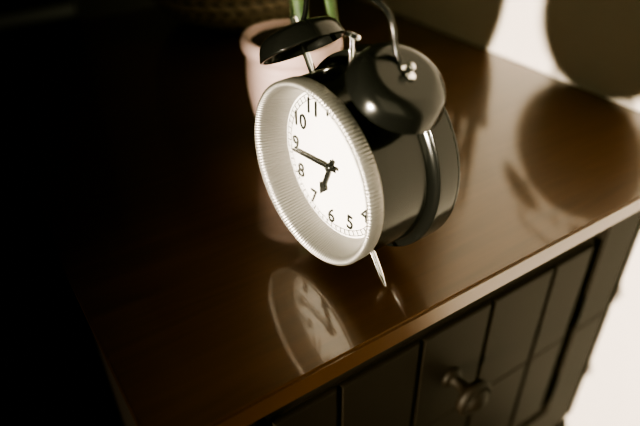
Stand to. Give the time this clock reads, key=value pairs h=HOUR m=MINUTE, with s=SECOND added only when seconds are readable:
h=6 m=44
